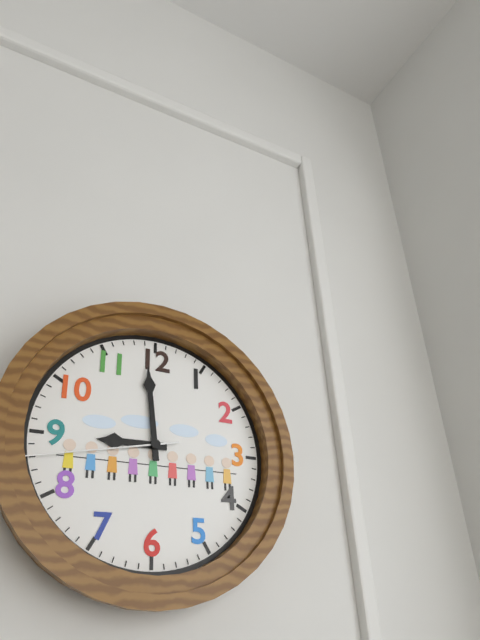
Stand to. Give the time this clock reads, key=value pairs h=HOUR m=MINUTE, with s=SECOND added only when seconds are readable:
h=8 m=59 s=43
